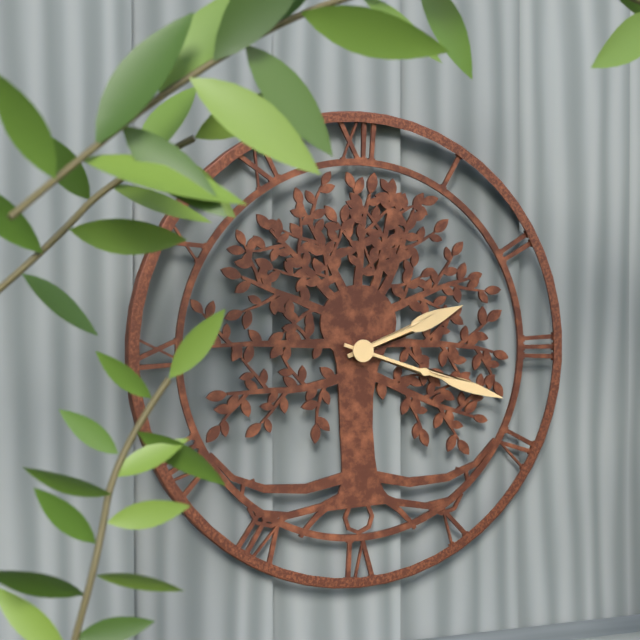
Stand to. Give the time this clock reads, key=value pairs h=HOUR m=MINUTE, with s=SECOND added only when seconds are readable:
h=2 m=18
